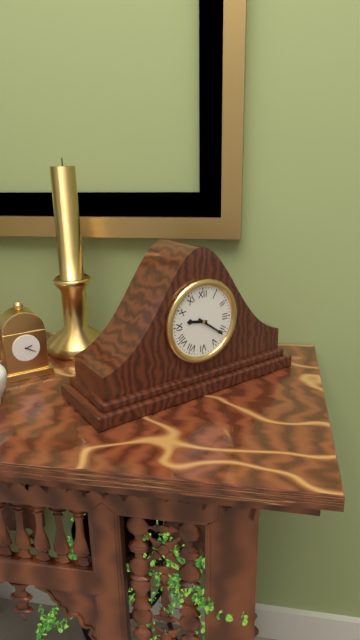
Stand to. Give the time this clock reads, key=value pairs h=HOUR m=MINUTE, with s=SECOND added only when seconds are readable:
h=9 m=21
